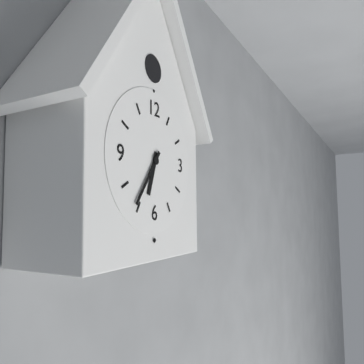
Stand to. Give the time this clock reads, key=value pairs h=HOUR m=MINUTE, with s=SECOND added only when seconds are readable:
h=6 m=36
